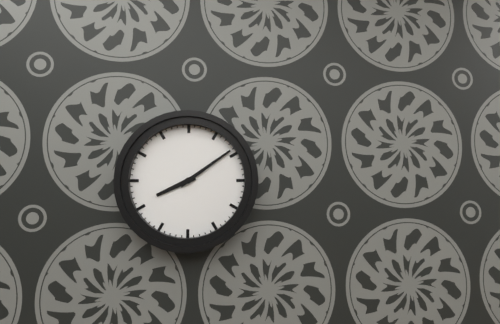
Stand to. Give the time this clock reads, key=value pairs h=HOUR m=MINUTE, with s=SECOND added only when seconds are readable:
h=8 m=9
